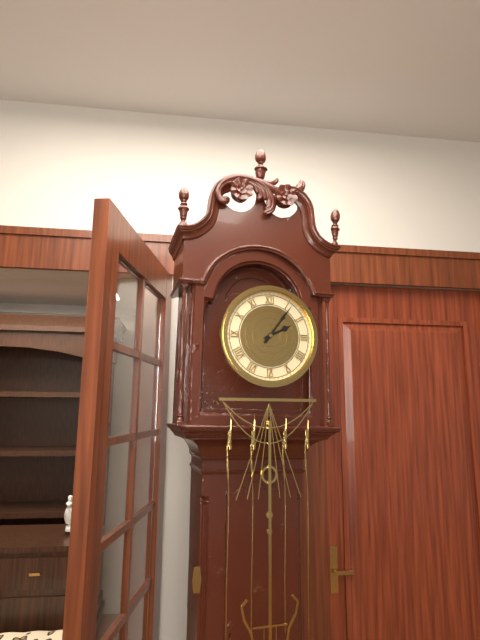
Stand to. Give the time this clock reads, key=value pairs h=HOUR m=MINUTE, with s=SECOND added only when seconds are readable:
h=2 m=6
